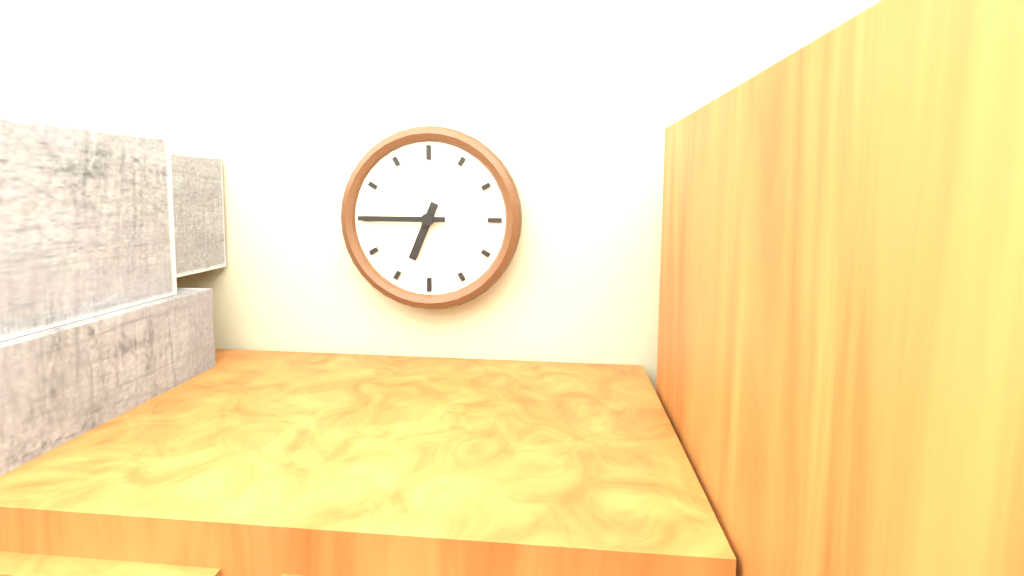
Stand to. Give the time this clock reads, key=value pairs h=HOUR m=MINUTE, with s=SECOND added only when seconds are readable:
h=6 m=45
